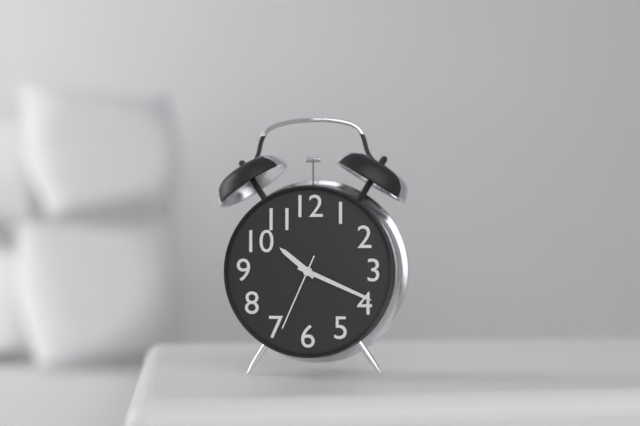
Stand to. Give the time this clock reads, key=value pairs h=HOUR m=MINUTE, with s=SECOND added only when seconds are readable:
h=10 m=19 s=34
